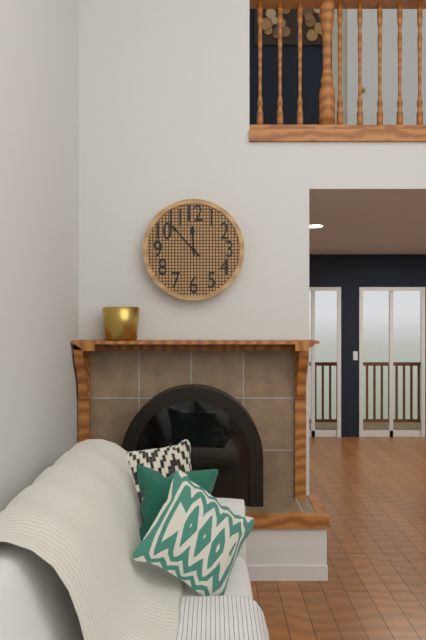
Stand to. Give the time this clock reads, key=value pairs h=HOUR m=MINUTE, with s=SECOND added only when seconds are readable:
h=11 m=53
